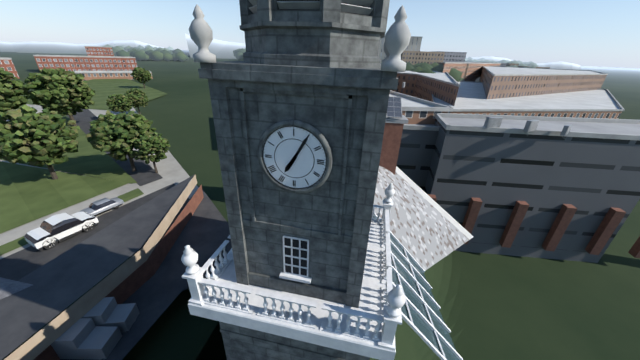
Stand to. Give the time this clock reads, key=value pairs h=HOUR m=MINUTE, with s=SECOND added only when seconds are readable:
h=7 m=5
